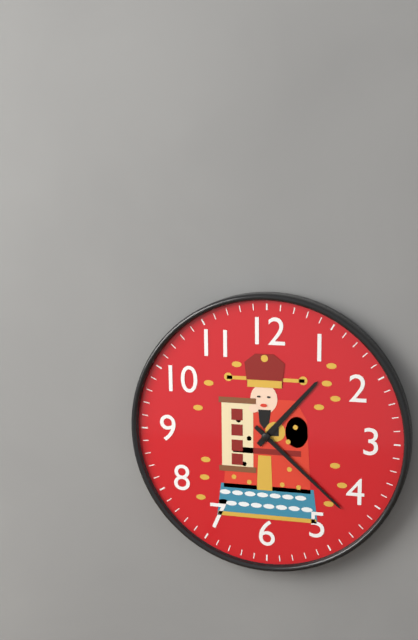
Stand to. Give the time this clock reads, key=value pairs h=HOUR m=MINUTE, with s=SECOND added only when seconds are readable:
h=1 m=22
